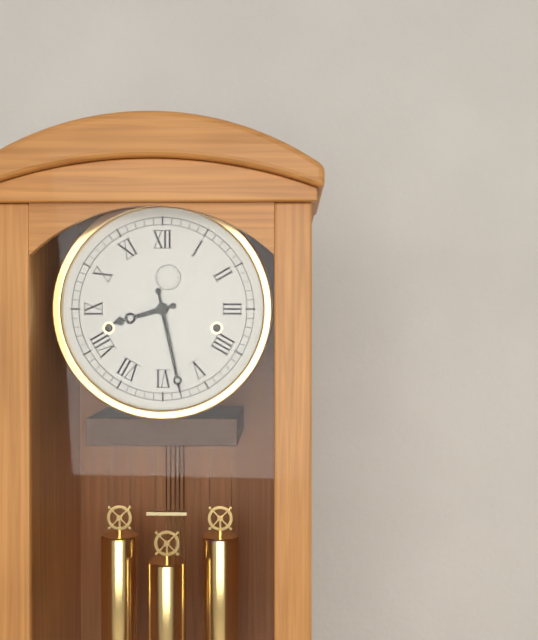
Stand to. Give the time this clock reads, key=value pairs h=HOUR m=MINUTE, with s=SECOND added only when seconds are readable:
h=8 m=28
